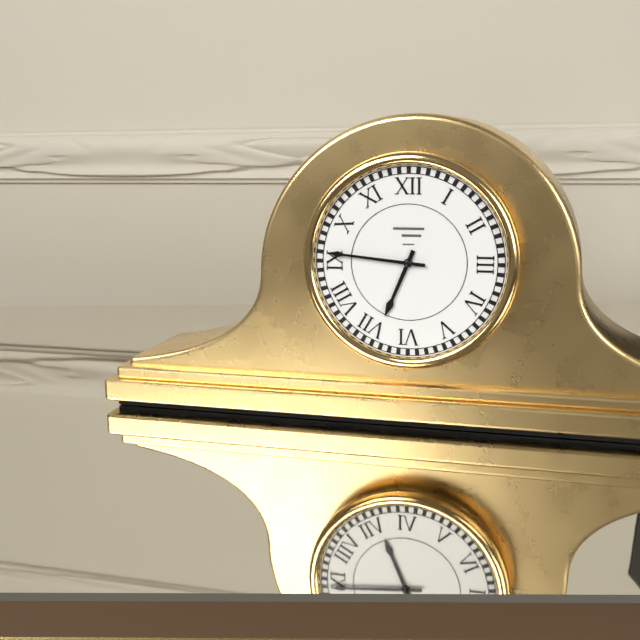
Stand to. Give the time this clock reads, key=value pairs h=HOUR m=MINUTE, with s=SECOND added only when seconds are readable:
h=6 m=46
